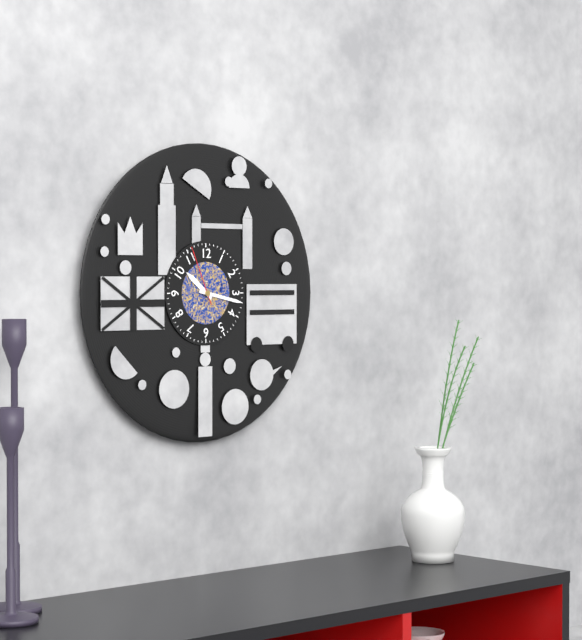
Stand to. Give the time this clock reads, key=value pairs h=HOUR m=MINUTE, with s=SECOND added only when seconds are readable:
h=10 m=17 s=56
